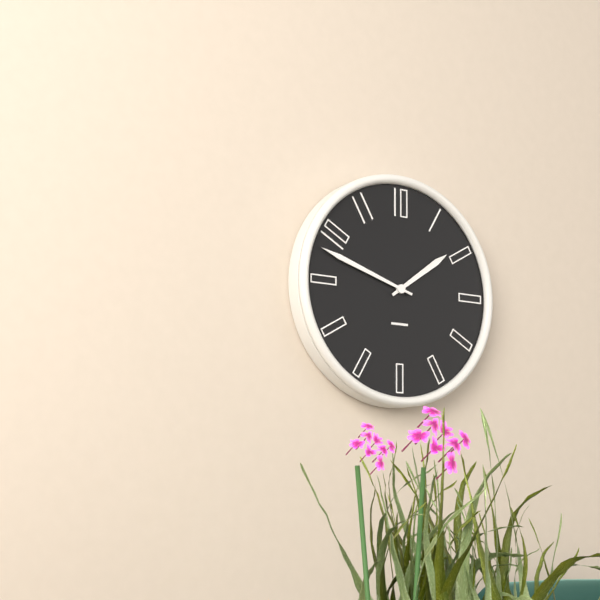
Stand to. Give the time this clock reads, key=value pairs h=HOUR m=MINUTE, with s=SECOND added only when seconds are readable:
h=1 m=48
